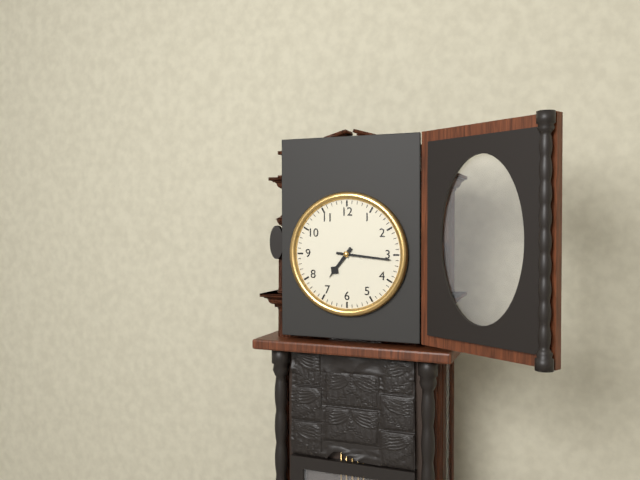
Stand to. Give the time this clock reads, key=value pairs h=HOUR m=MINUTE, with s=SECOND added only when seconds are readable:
h=7 m=16
